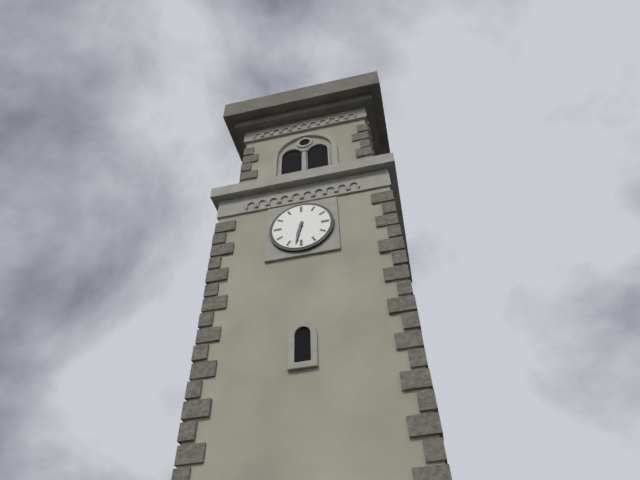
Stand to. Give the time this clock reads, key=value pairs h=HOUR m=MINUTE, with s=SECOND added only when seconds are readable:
h=6 m=32
